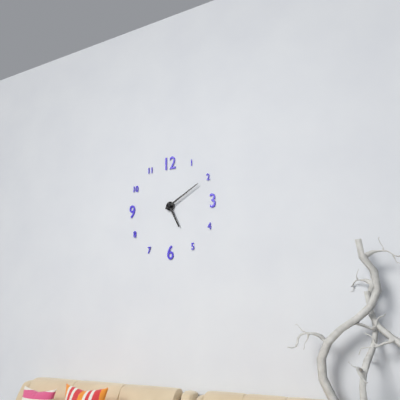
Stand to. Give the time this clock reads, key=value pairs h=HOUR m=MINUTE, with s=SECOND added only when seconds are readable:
h=5 m=10
